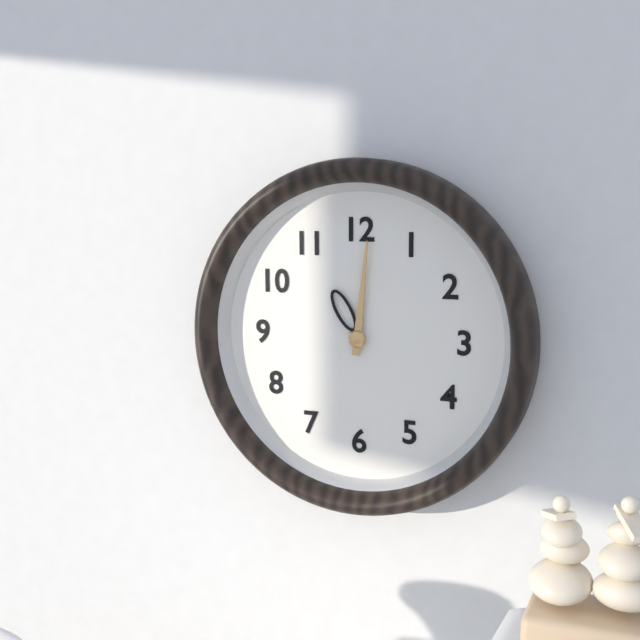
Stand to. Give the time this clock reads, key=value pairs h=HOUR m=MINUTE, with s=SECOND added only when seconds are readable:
h=11 m=1
